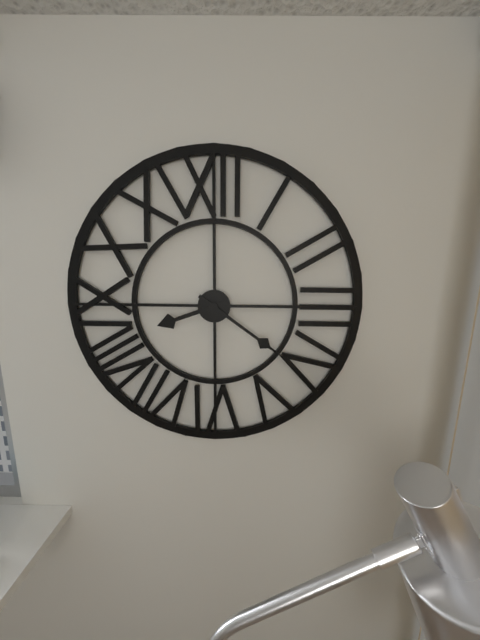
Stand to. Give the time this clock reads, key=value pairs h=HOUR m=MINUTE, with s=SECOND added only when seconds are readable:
h=8 m=21
